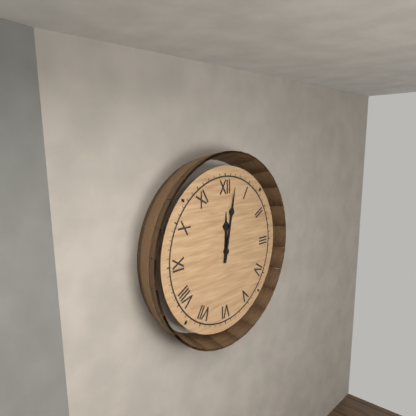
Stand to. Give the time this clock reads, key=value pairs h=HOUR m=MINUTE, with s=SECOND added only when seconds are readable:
h=12 m=2
